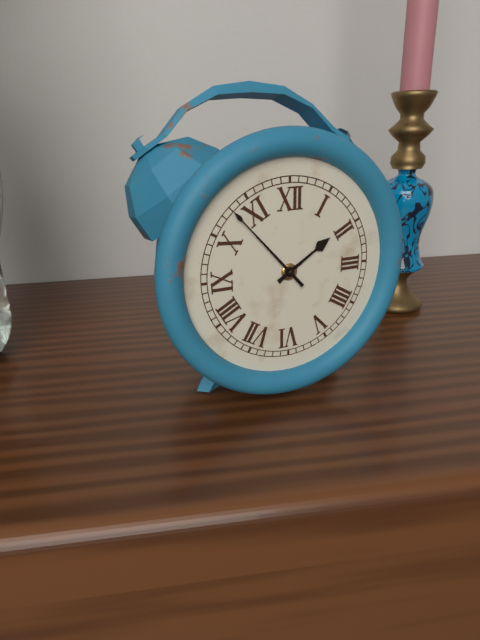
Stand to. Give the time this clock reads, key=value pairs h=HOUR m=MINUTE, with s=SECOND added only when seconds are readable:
h=1 m=53
